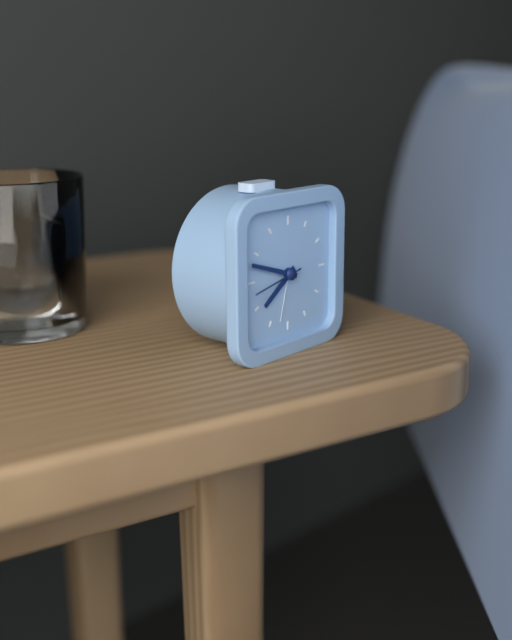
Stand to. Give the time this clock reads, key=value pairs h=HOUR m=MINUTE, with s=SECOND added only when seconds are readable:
h=7 m=48 s=43
